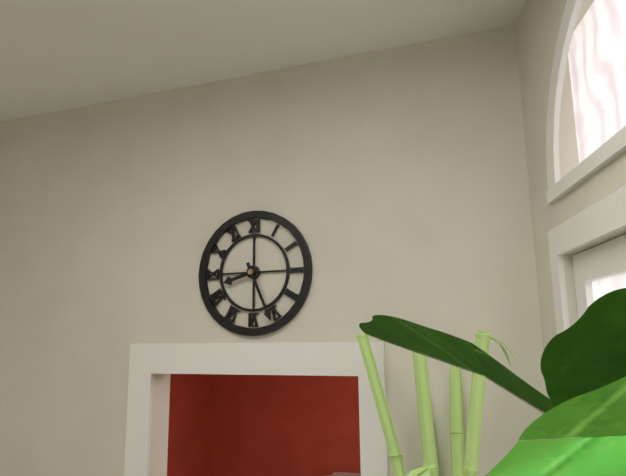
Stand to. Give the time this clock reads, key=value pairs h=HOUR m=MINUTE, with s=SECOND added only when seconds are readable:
h=8 m=26
